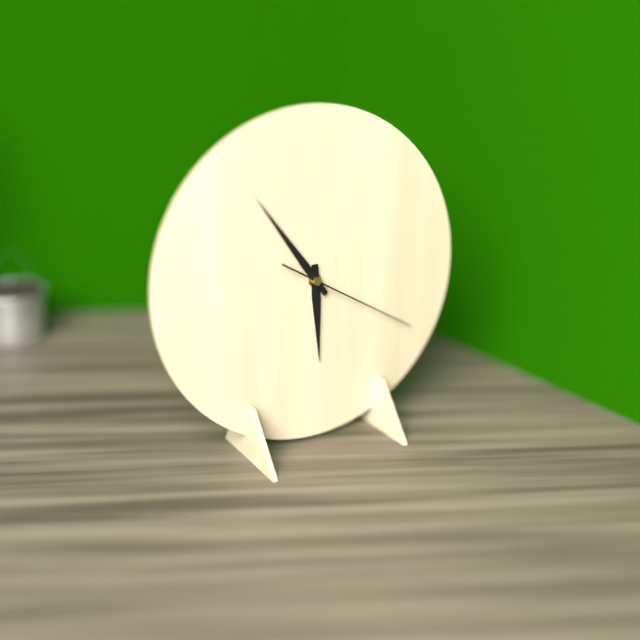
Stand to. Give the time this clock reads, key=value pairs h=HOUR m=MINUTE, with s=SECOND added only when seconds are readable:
h=5 m=54 s=20
